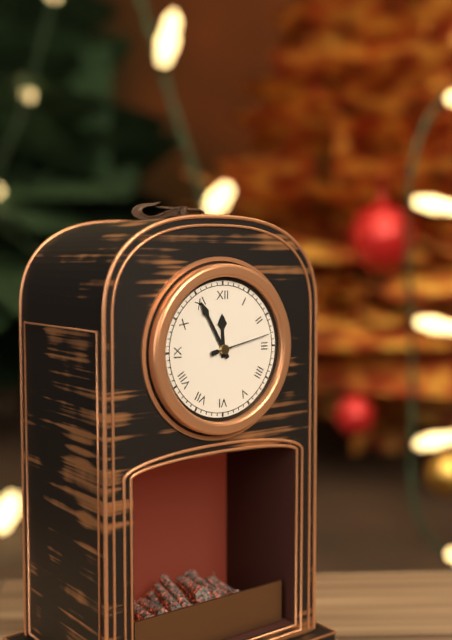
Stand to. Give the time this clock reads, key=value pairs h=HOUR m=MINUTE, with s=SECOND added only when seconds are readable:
h=11 m=55 s=13
